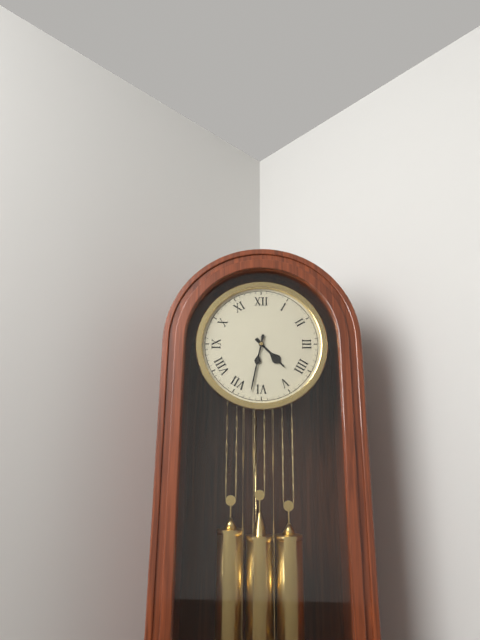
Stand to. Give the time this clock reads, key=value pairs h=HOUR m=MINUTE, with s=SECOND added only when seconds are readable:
h=4 m=32
